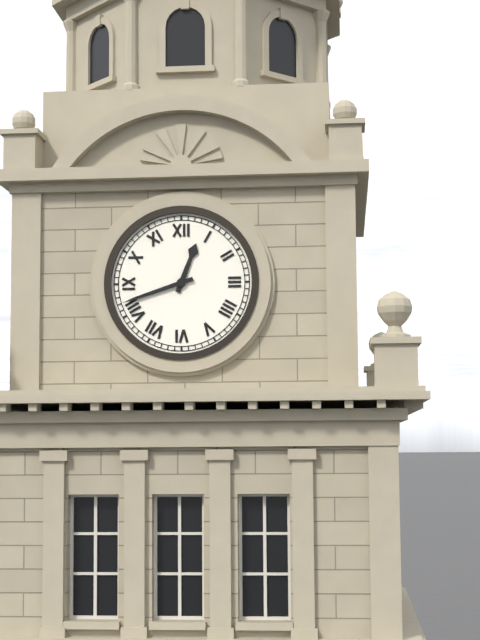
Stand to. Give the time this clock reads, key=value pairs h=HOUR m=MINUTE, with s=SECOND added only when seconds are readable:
h=12 m=42
